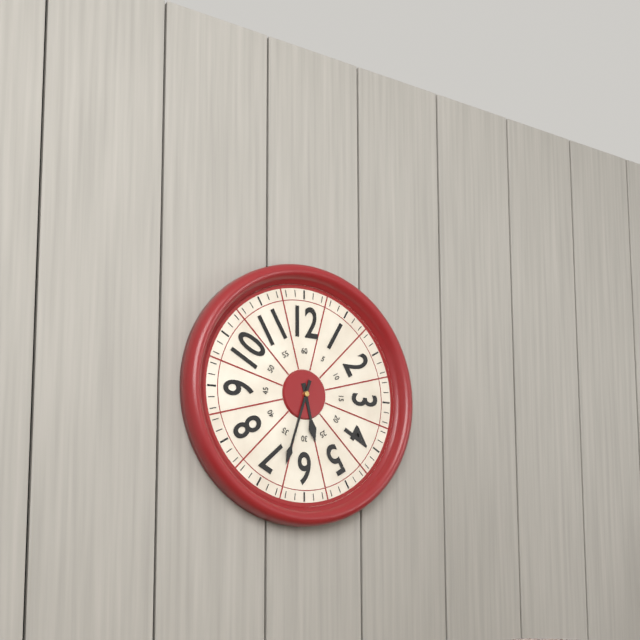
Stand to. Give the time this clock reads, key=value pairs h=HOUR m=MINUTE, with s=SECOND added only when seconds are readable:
h=5 m=33
